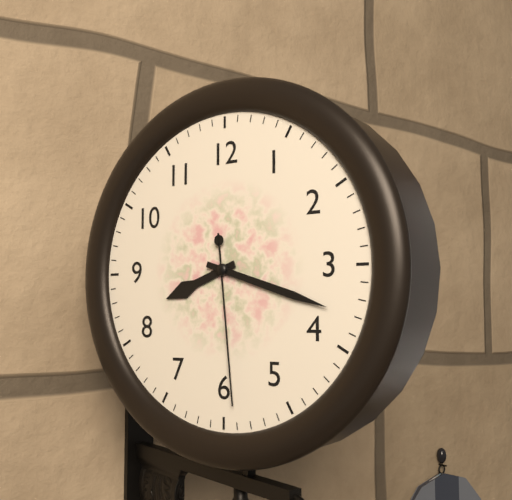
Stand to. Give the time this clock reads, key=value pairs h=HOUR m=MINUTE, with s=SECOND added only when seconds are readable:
h=8 m=18 s=29
